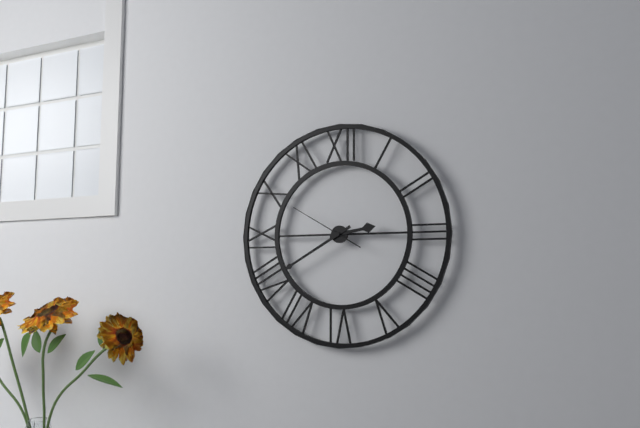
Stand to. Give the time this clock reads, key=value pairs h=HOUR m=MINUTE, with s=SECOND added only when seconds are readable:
h=2 m=40 s=50
